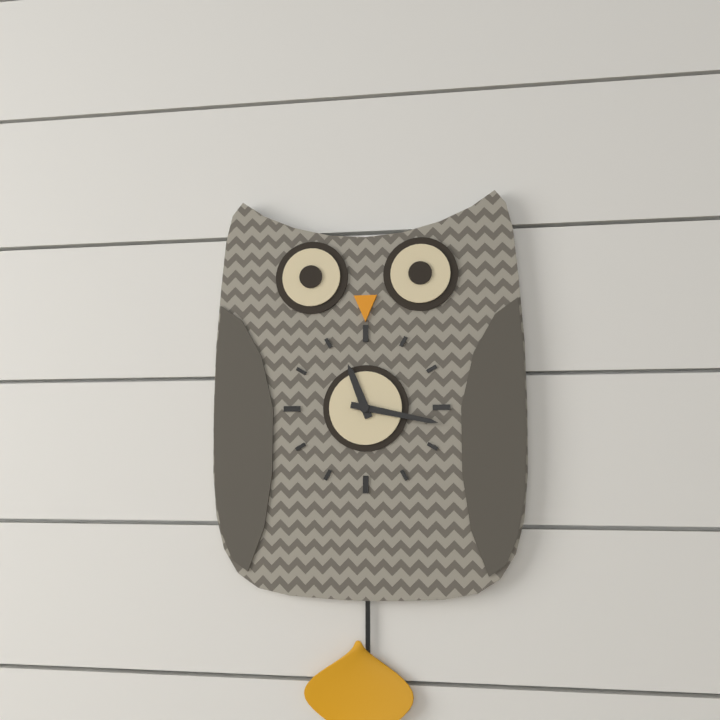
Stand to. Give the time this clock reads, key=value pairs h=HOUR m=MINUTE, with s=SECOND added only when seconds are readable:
h=11 m=17
